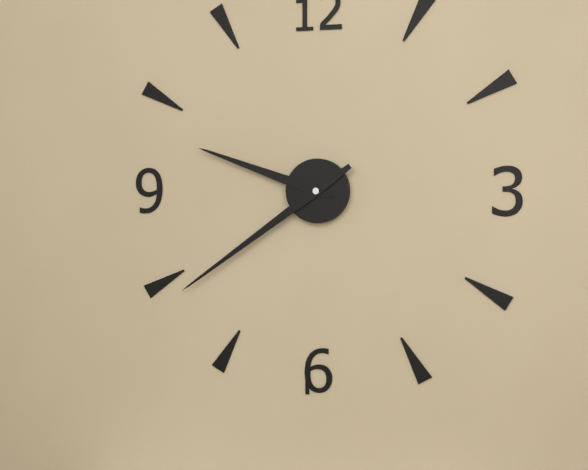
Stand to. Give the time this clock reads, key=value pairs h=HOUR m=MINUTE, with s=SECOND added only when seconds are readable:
h=9 m=39
